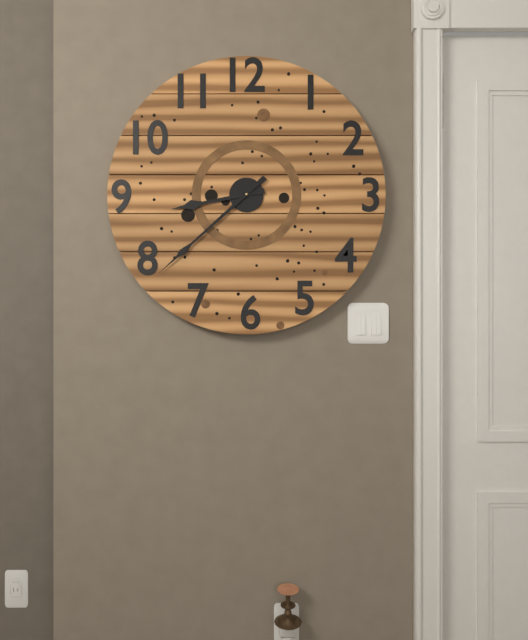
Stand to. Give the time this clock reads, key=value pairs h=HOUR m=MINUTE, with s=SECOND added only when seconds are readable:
h=8 m=38
